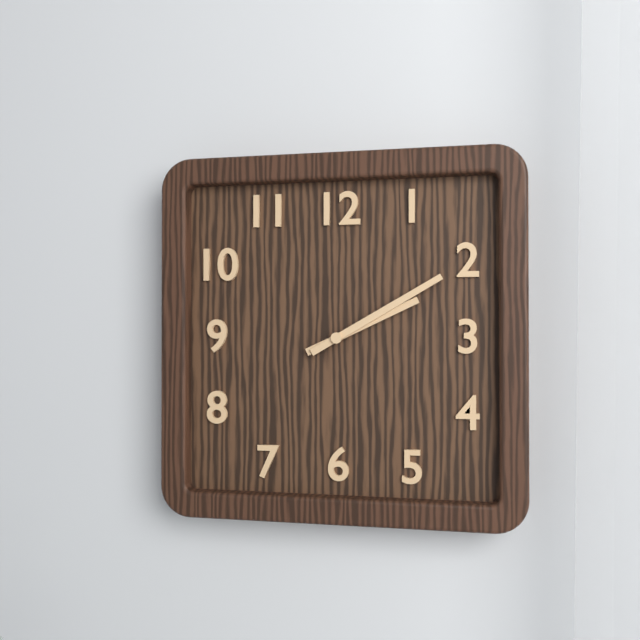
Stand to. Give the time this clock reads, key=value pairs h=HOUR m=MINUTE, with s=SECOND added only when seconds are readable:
h=2 m=10
